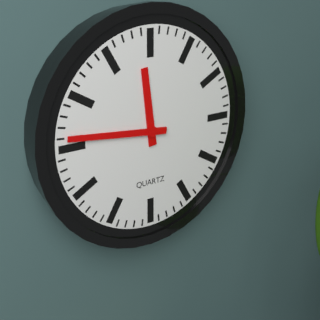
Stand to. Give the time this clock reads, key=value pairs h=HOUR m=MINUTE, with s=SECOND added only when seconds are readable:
h=11 m=46
